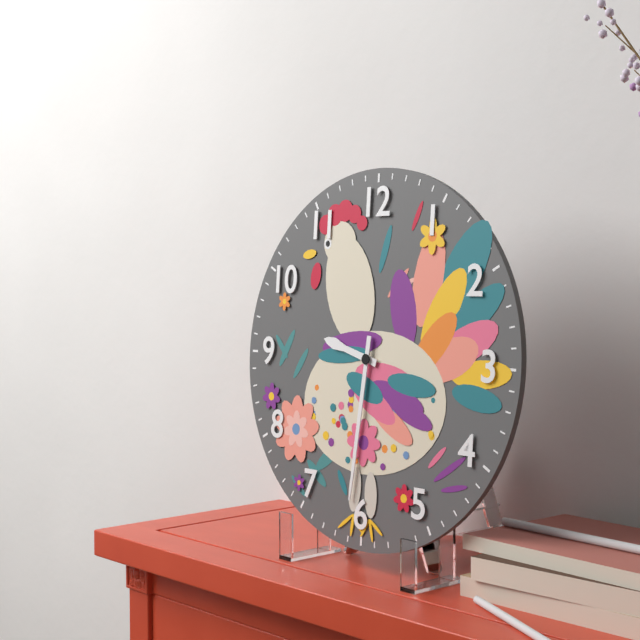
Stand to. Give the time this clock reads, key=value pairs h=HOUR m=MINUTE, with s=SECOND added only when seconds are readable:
h=9 m=31
